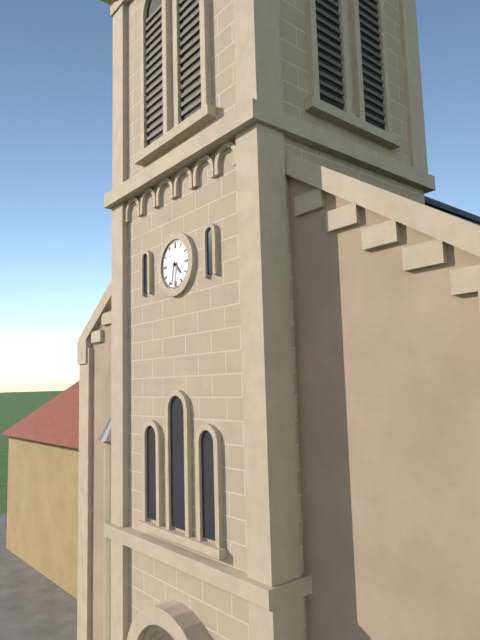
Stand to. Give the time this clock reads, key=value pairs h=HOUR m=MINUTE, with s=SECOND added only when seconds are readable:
h=4 m=32
